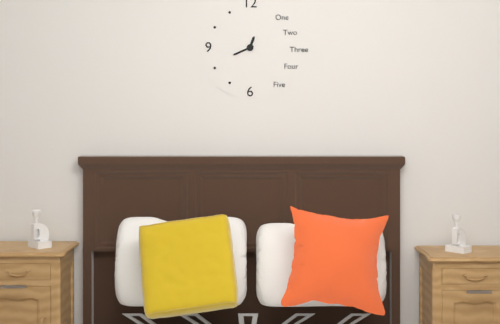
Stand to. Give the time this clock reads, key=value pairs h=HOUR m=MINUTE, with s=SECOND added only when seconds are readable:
h=12 m=41
